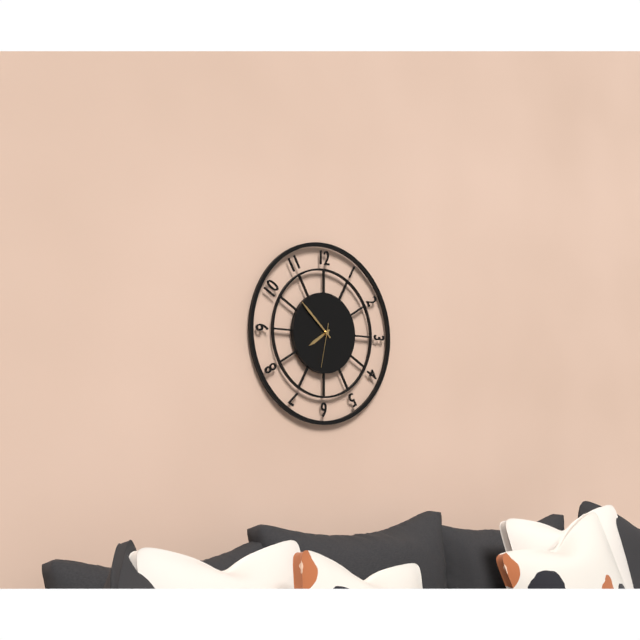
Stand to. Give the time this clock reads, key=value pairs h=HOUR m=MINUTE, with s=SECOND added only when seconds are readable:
h=7 m=52
